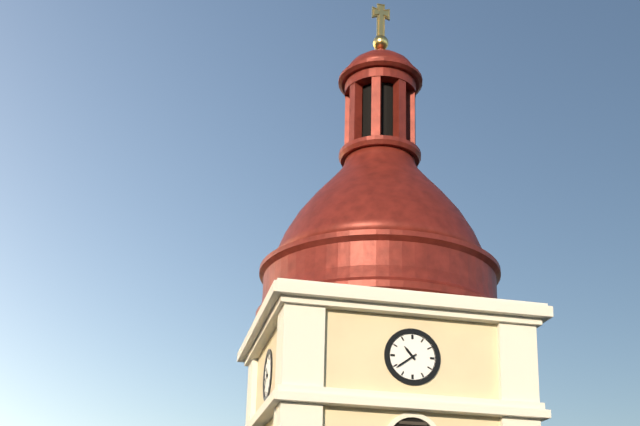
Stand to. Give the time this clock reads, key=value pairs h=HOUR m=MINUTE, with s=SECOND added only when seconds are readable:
h=10 m=39
